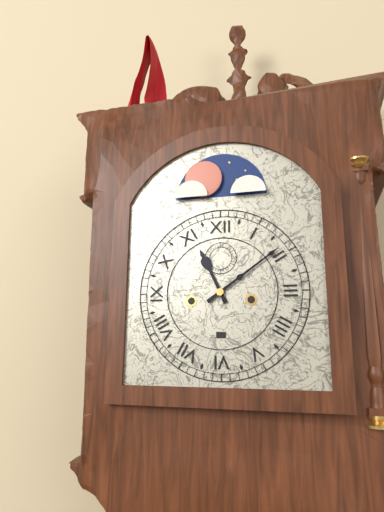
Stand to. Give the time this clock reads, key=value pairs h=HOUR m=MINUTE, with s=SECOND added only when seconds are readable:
h=11 m=9
